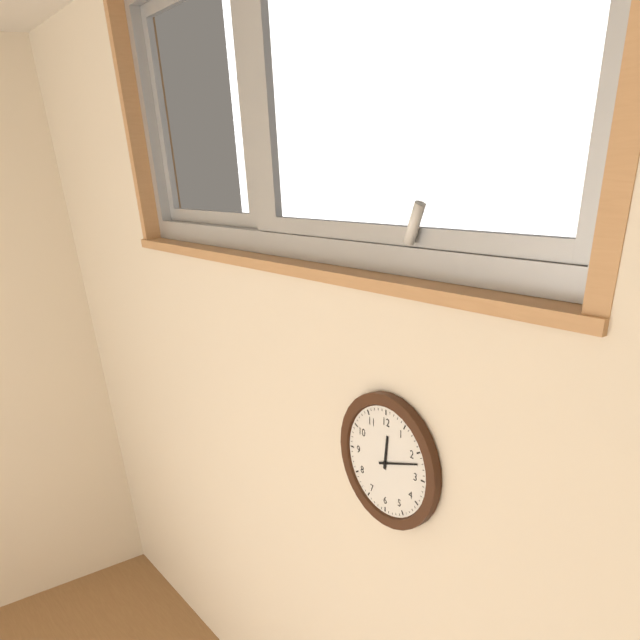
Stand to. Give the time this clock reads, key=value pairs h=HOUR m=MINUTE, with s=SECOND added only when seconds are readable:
h=12 m=12
